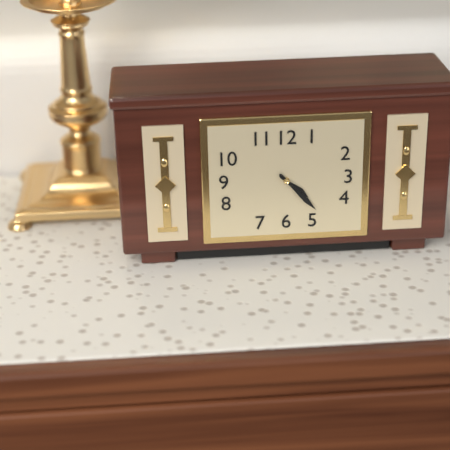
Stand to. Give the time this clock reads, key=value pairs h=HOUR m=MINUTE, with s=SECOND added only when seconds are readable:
h=4 m=23
